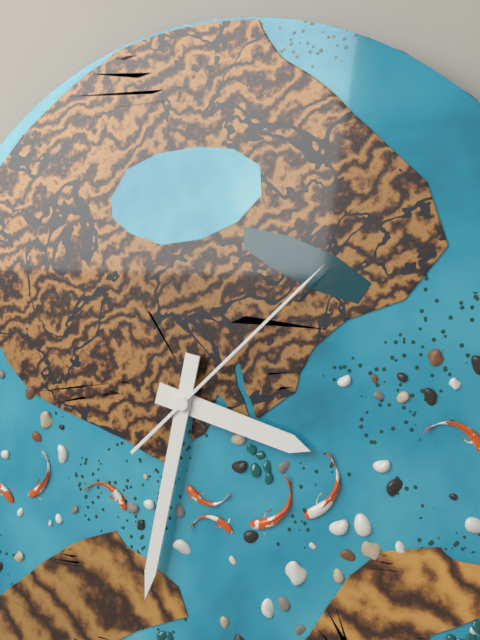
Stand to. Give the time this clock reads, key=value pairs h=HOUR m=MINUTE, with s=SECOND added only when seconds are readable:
h=3 m=32 s=8
